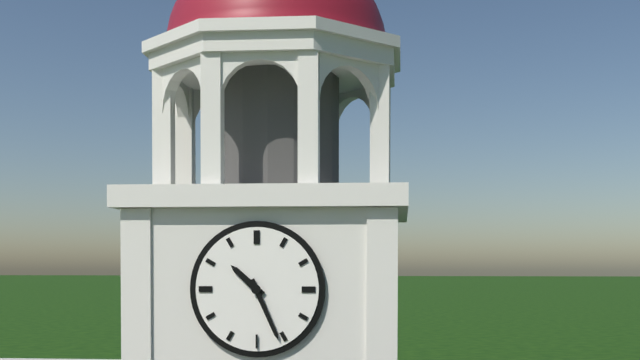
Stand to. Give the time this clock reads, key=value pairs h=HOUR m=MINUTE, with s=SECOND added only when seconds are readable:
h=10 m=26
